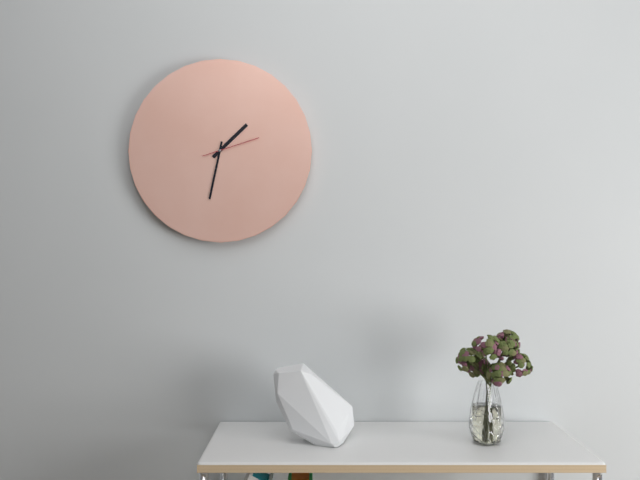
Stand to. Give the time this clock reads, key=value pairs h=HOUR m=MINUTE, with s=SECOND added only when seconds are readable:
h=1 m=32 s=12
